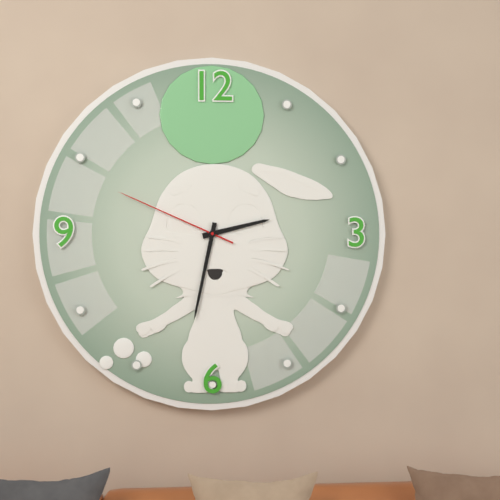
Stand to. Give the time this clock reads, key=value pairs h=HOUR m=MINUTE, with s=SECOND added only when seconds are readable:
h=2 m=32 s=49
